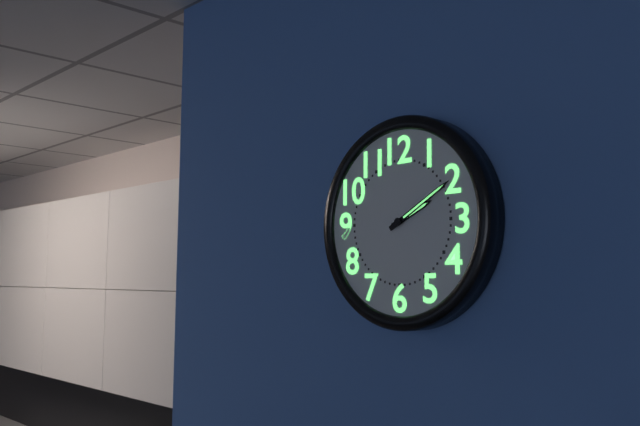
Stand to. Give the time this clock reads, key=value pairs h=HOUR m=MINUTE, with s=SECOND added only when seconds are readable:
h=2 m=10
